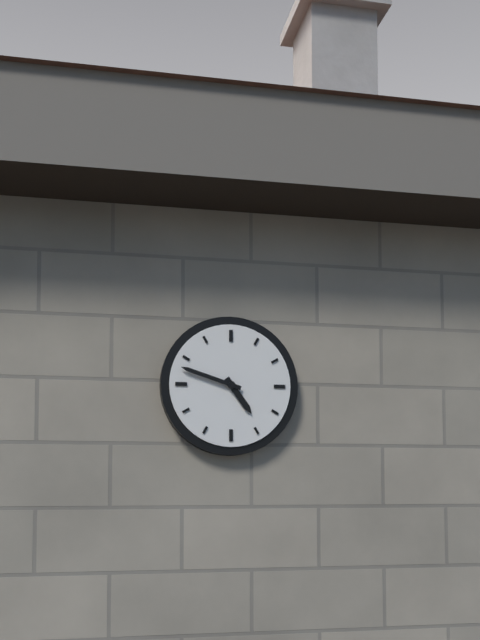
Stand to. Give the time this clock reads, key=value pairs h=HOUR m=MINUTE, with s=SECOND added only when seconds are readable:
h=4 m=48
